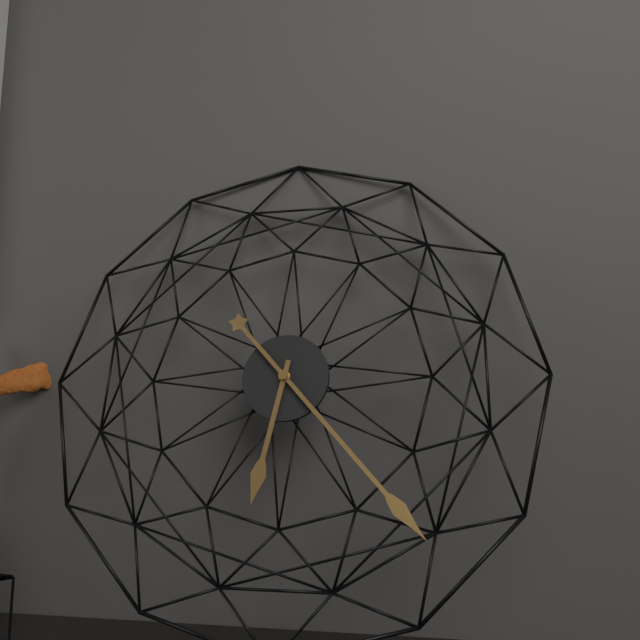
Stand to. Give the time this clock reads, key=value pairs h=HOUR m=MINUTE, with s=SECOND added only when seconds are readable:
h=6 m=23
